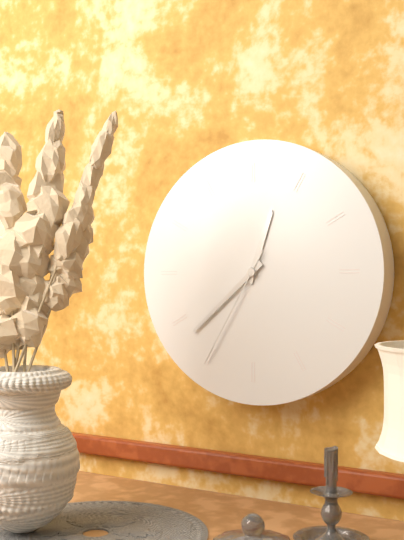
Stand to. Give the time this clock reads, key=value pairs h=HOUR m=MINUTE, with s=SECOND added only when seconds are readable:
h=12 m=38 s=35
